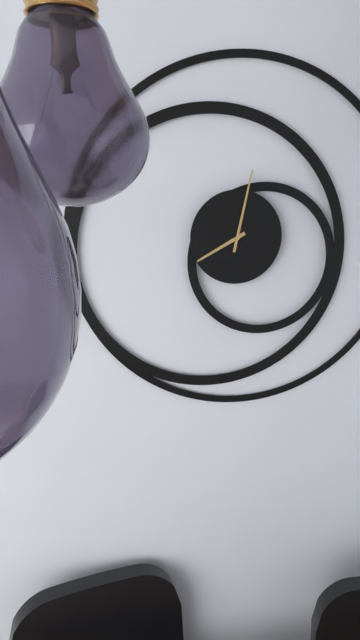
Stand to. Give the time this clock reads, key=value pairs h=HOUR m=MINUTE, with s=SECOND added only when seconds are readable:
h=8 m=2
